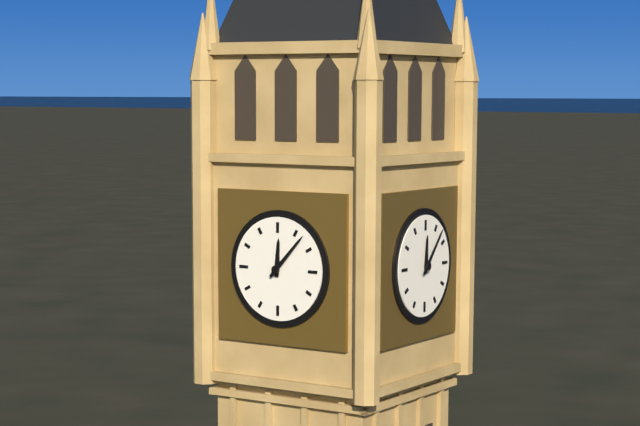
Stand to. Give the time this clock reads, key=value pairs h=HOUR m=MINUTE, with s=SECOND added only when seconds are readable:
h=12 m=7
